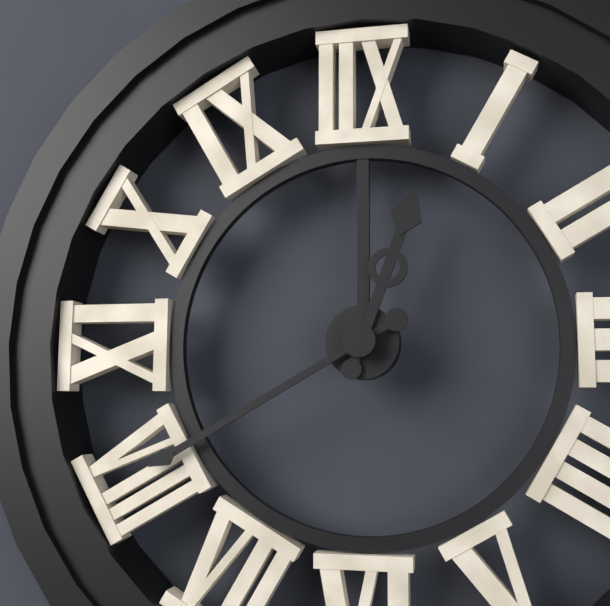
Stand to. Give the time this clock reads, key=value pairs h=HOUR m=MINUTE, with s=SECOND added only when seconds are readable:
h=12 m=40
